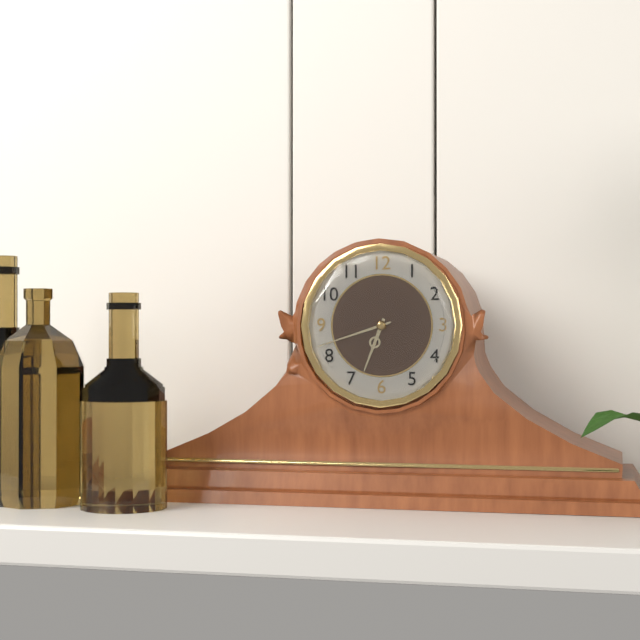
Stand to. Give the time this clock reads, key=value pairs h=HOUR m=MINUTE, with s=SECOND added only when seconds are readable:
h=6 m=42
